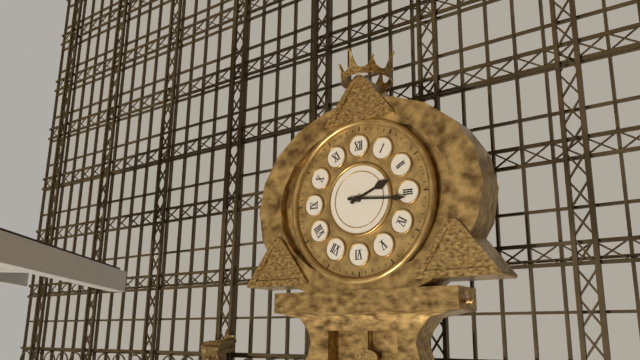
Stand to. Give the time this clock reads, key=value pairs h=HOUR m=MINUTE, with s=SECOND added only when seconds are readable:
h=2 m=16
